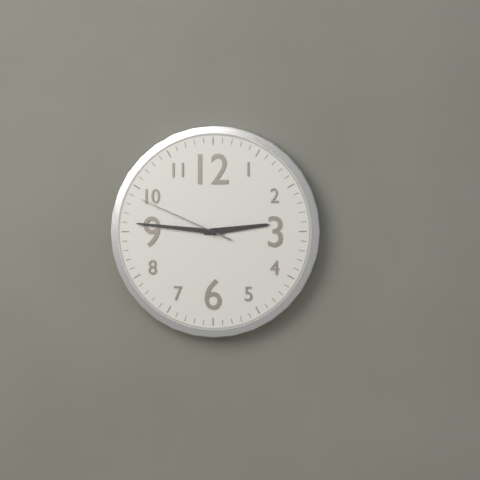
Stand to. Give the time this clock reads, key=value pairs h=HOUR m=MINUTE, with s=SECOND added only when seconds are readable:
h=2 m=46 s=49
